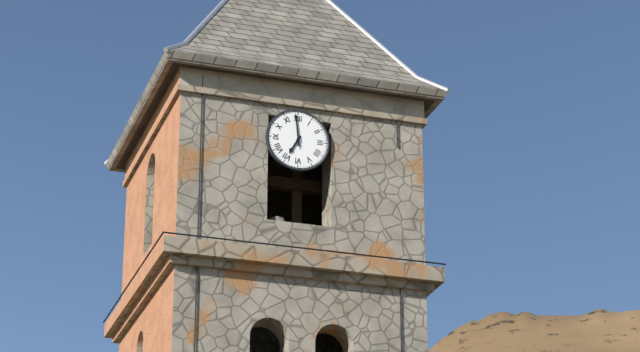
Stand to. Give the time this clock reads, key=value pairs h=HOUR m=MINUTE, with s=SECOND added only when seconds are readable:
h=6 m=59
